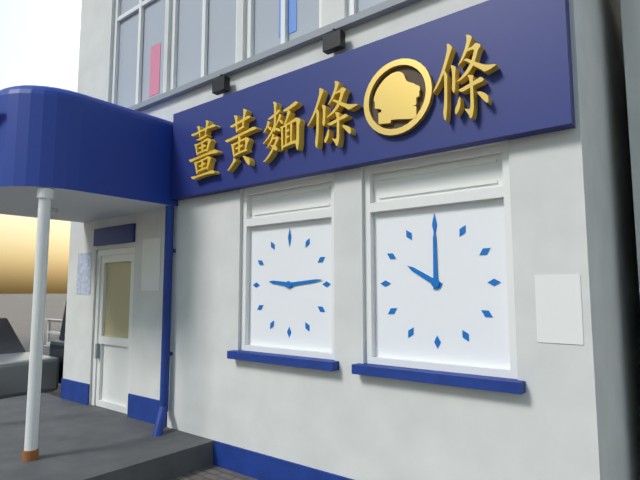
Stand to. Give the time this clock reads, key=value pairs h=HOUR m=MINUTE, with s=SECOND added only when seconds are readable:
h=9 m=14
